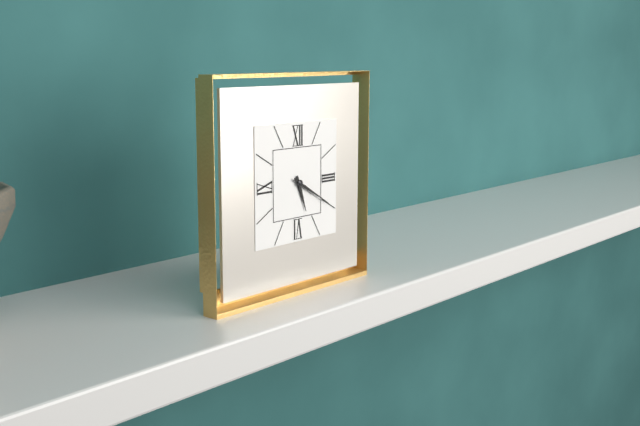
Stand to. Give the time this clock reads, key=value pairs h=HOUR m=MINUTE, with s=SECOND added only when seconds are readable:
h=5 m=20
